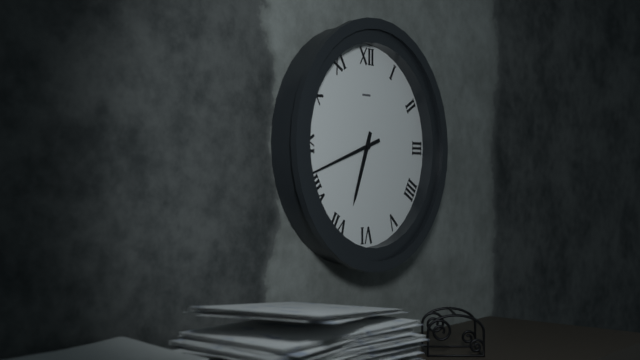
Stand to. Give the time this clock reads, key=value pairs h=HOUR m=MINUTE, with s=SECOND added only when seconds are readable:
h=6 m=42
